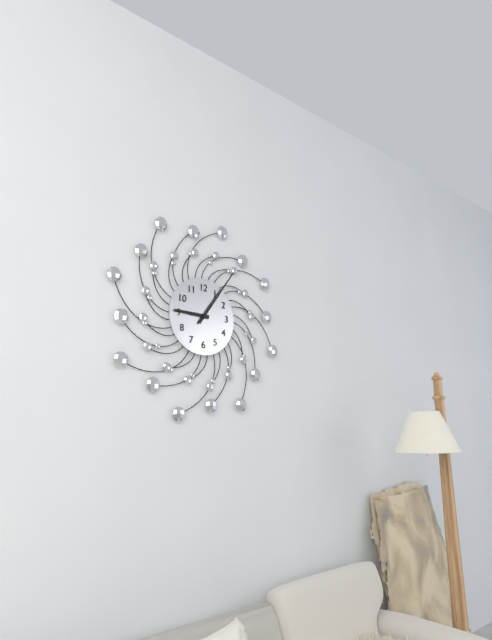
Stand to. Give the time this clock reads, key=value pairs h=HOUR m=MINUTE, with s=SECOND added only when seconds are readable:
h=9 m=6
